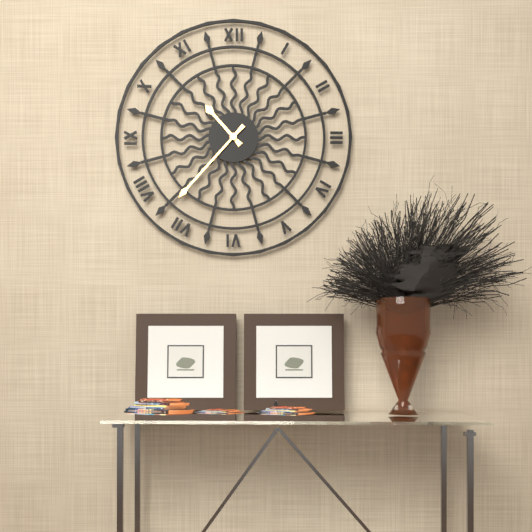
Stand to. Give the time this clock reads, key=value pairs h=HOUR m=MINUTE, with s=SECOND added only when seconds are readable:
h=10 m=37
